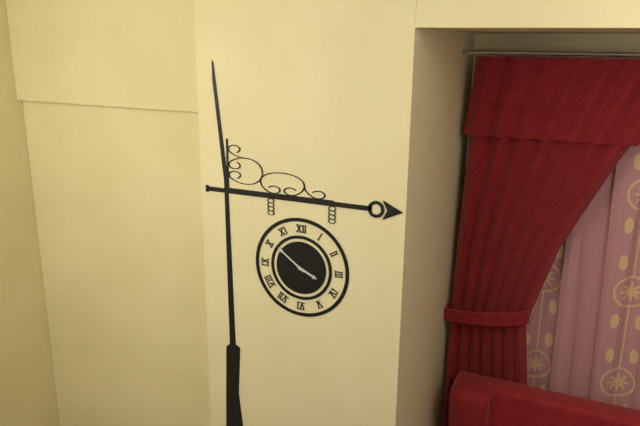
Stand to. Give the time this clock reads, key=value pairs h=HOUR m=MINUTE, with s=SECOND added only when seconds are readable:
h=3 m=51
